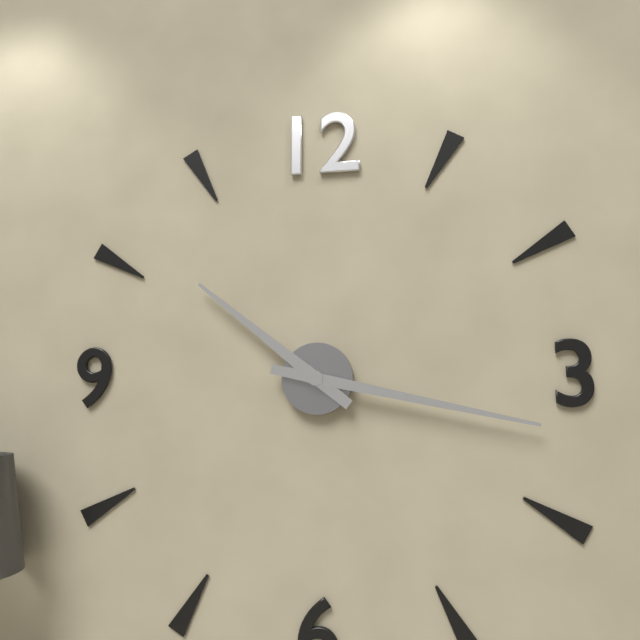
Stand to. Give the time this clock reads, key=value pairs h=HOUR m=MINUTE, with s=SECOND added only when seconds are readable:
h=10 m=17
